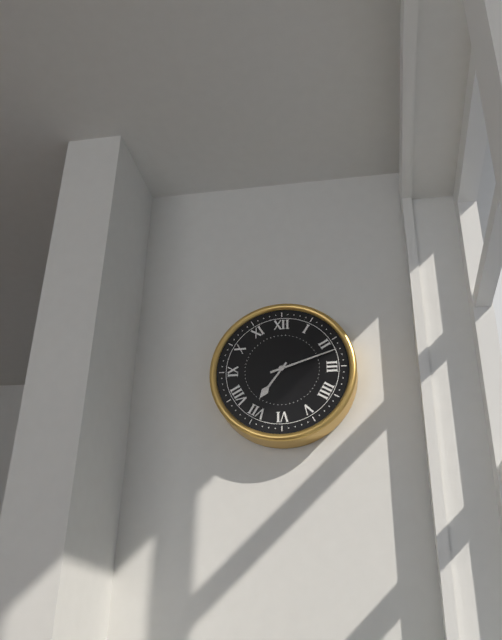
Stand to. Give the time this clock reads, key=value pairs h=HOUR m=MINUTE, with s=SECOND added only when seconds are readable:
h=7 m=12
